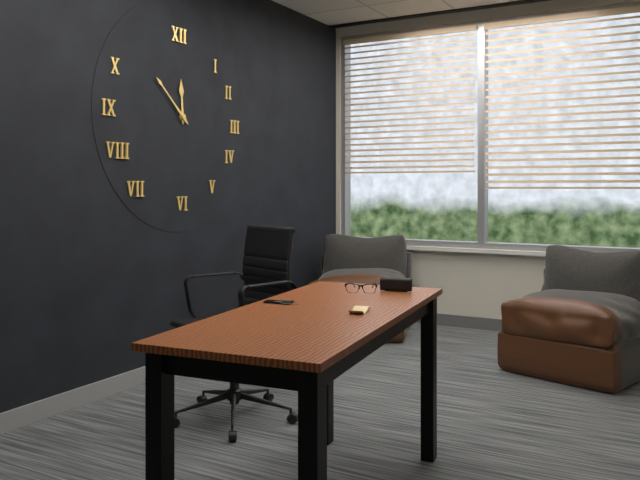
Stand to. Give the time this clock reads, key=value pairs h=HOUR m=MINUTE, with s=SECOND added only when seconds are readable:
h=11 m=52
